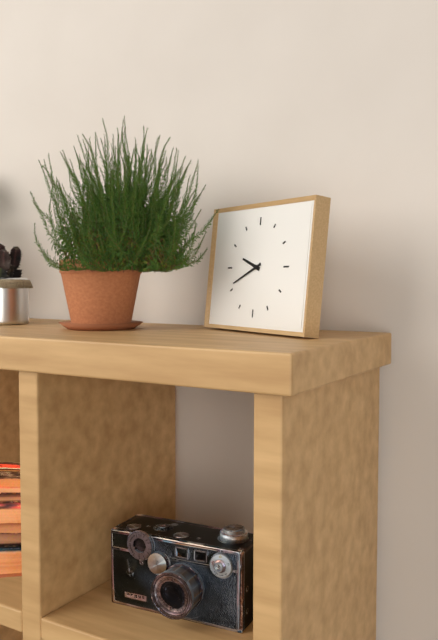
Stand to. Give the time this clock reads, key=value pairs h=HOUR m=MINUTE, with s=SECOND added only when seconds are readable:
h=9 m=41
